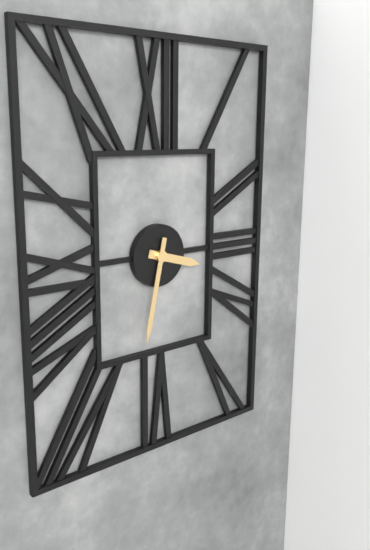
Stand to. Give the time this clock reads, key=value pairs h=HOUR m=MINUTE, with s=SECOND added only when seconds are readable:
h=3 m=32
